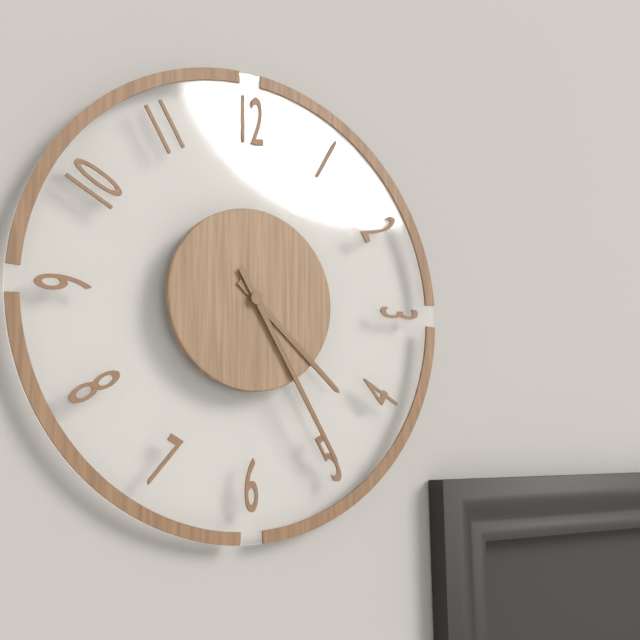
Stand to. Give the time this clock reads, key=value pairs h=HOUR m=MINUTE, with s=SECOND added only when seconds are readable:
h=4 m=25
